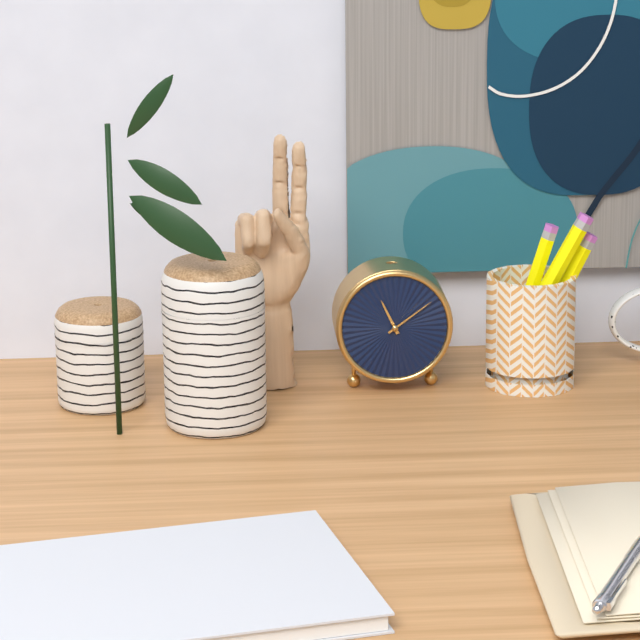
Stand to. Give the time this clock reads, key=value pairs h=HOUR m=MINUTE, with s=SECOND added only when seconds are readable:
h=11 m=9
